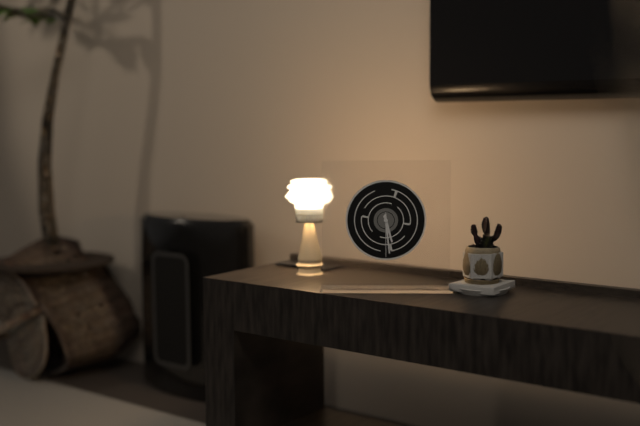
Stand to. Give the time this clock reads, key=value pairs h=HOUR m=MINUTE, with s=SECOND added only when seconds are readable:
h=5 m=29
